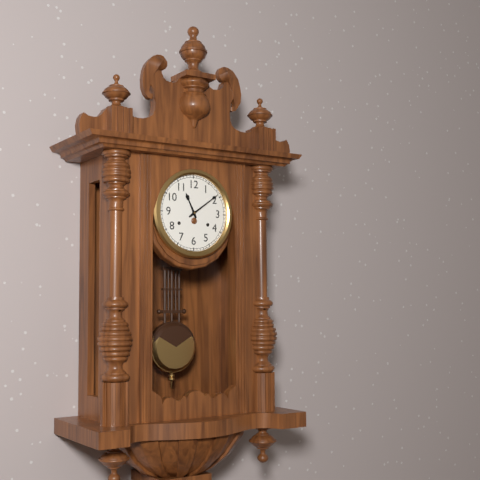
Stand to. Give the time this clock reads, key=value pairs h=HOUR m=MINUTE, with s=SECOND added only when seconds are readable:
h=11 m=9
